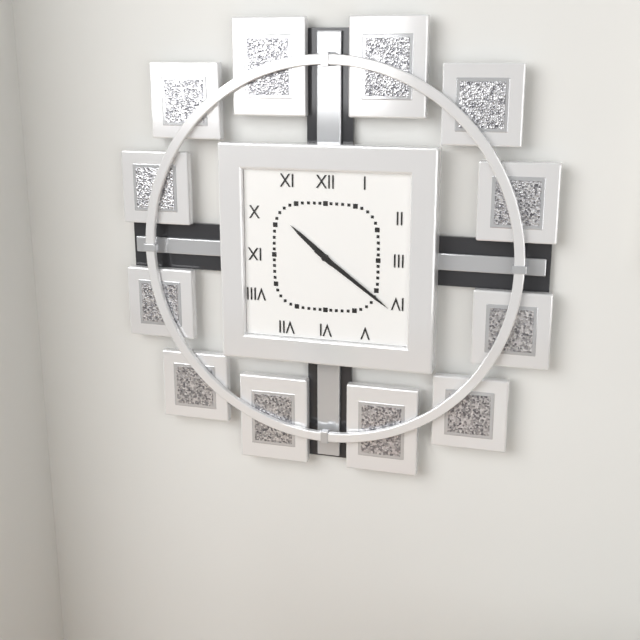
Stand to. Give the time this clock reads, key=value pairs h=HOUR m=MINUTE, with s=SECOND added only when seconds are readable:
h=10 m=21
